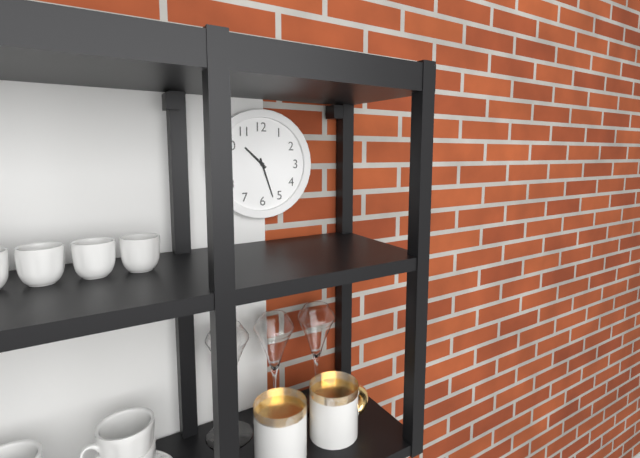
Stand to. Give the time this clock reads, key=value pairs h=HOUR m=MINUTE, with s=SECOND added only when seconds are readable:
h=10 m=27
